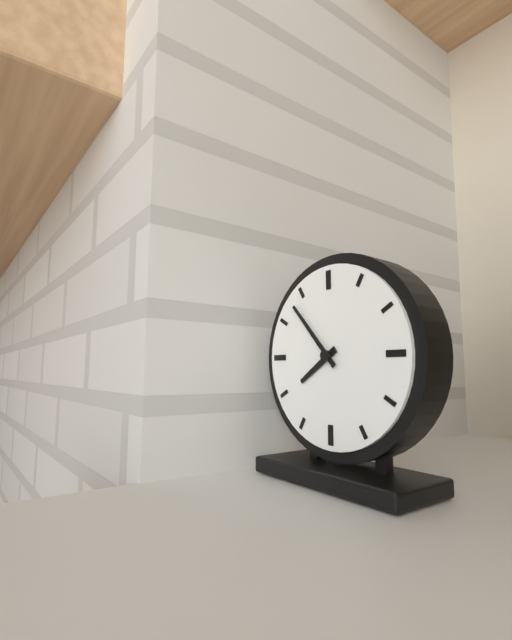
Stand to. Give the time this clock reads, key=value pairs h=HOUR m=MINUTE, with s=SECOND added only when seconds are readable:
h=7 m=53
